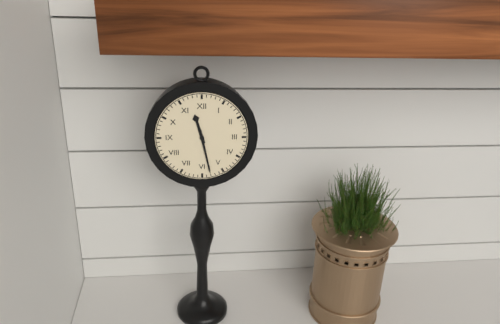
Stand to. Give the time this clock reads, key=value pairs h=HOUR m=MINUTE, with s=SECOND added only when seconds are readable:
h=11 m=28
